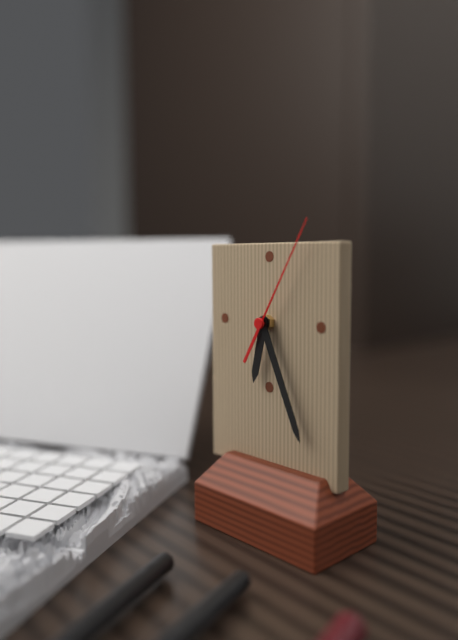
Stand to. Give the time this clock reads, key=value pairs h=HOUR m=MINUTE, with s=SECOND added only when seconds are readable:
h=6 m=26 s=5
